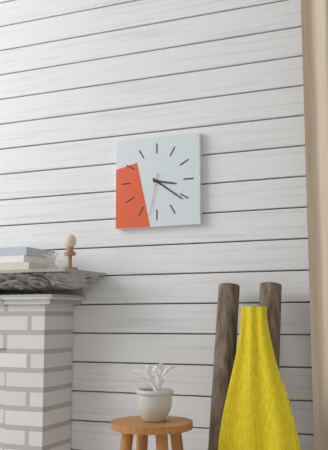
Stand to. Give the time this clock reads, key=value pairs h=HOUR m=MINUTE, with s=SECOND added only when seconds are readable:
h=3 m=21
